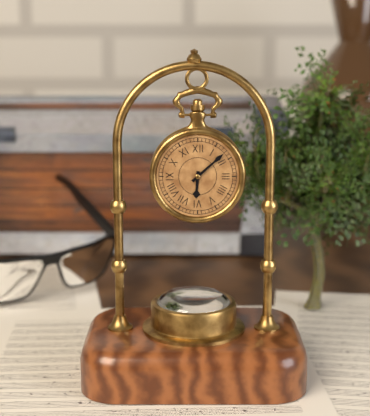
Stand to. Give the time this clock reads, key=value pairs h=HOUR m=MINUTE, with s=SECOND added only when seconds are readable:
h=6 m=8
